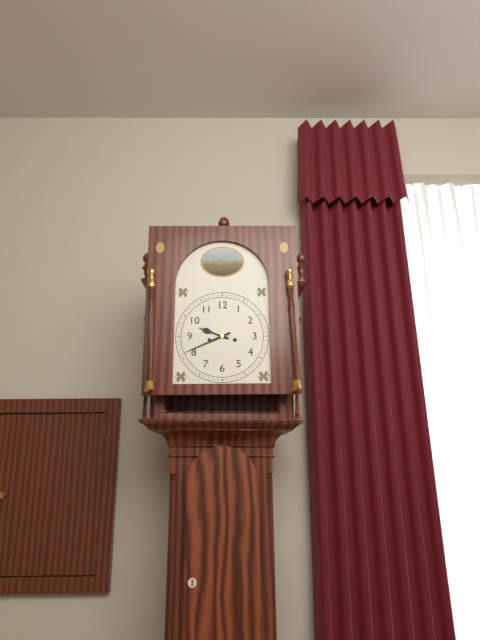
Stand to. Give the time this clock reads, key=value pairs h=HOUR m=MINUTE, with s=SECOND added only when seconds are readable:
h=9 m=41
